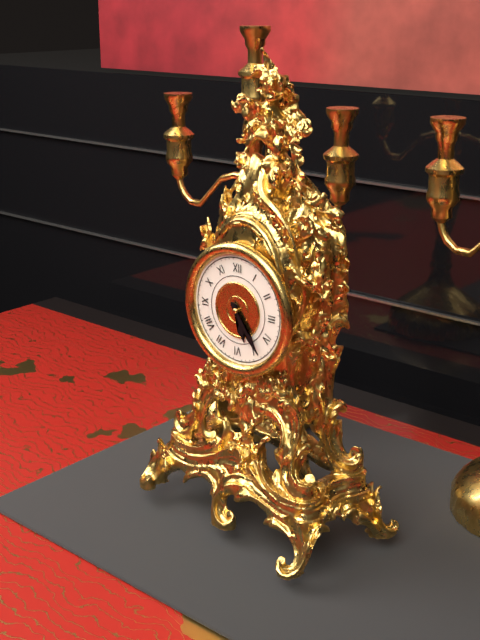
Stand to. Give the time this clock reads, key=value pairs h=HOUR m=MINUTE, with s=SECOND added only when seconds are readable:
h=5 m=24
